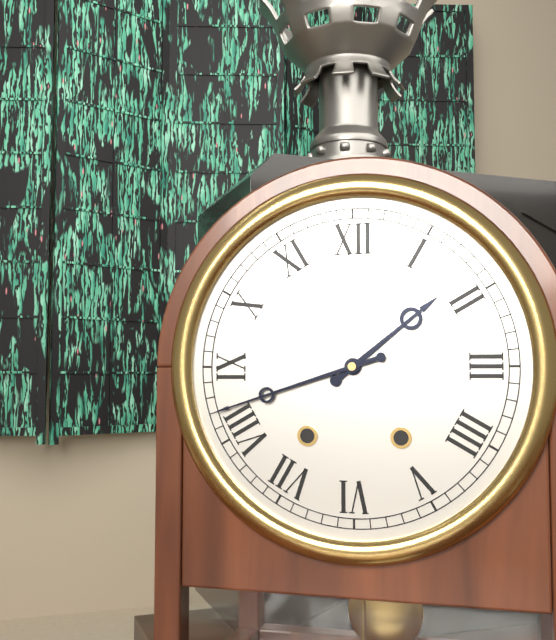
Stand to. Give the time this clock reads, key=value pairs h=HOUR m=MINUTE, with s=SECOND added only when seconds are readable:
h=1 m=42
